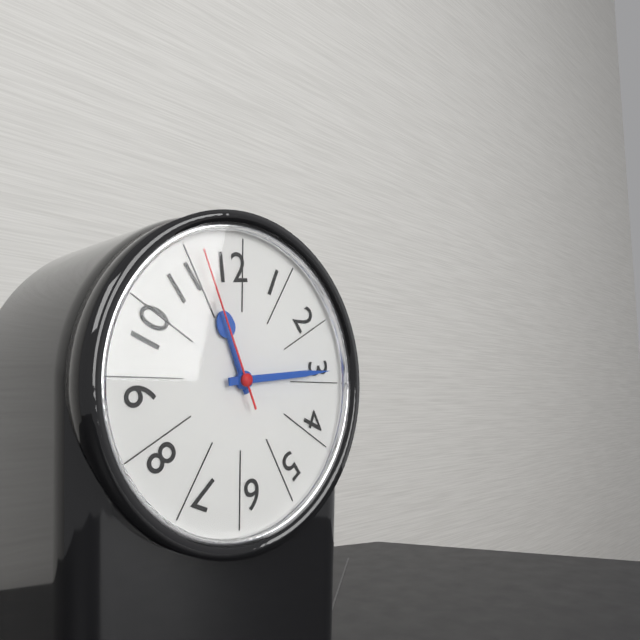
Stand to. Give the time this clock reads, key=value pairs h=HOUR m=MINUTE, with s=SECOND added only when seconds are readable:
h=11 m=14 s=56
